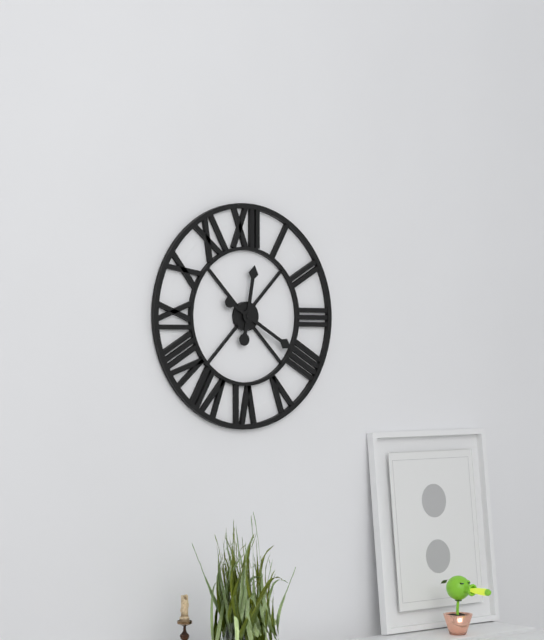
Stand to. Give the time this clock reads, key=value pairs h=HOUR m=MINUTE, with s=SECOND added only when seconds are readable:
h=12 m=20
